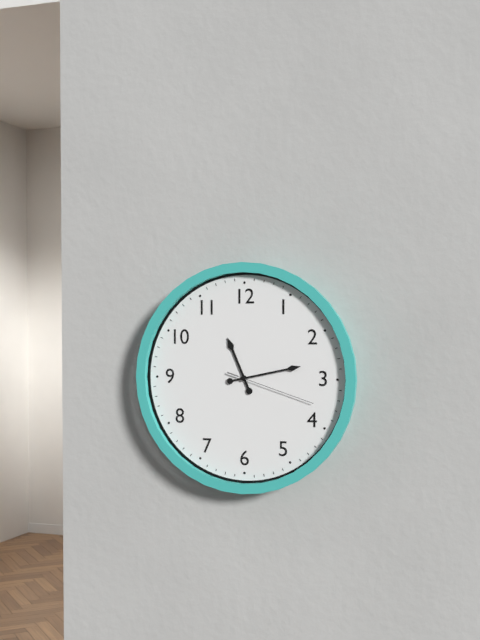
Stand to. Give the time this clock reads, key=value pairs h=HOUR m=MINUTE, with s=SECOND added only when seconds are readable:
h=11 m=13 s=18
